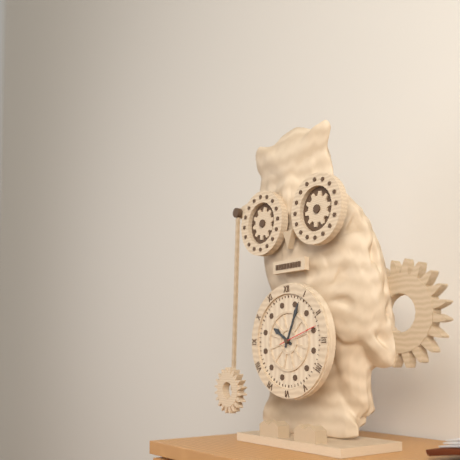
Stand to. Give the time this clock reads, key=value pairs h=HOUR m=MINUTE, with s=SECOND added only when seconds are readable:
h=10 m=4
